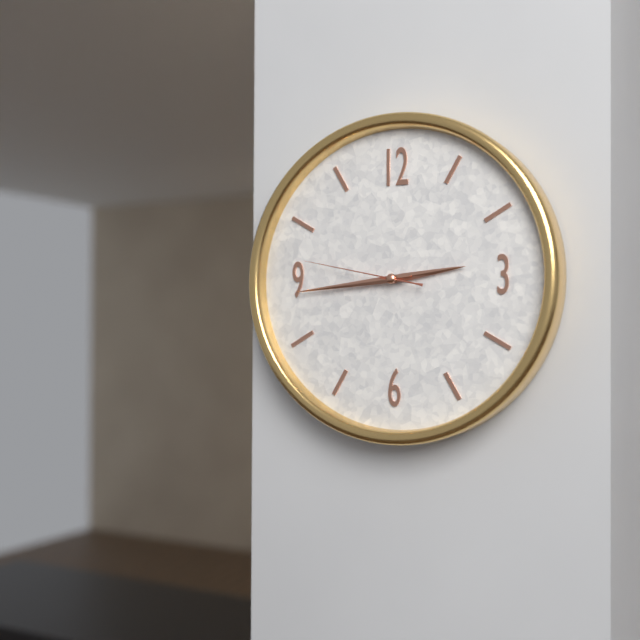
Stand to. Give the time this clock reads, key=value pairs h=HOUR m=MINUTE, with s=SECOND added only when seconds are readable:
h=2 m=44 s=47
